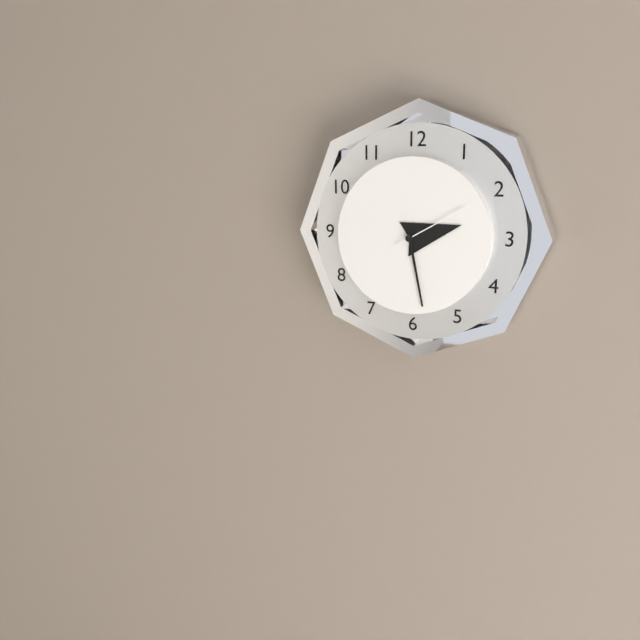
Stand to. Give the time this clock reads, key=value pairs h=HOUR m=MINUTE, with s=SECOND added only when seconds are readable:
h=2 m=28 s=10
